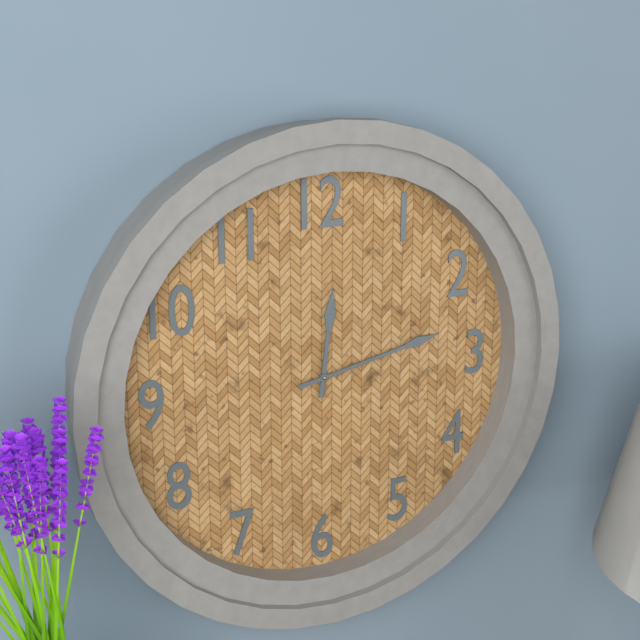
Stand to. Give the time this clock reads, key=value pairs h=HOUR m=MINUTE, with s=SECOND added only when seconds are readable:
h=12 m=13
